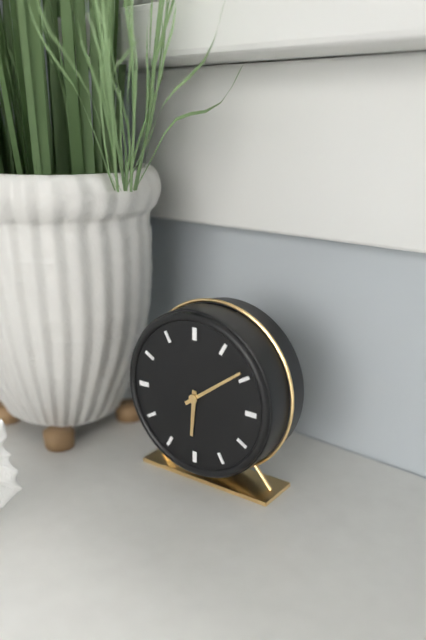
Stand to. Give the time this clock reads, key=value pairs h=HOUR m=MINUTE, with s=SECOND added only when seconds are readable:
h=6 m=9
